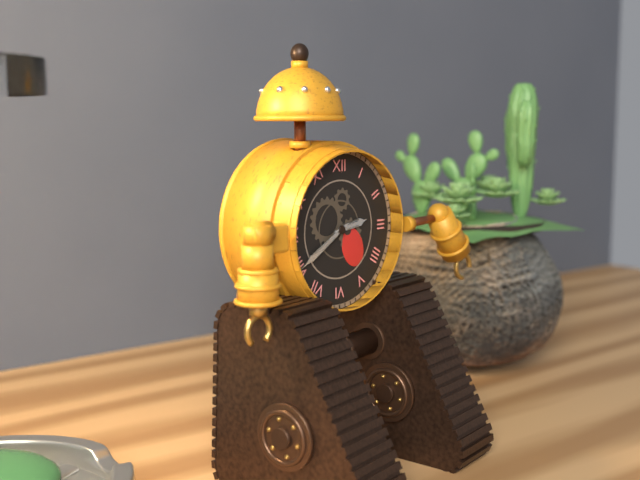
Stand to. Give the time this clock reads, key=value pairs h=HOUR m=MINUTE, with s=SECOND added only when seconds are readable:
h=2 m=40
